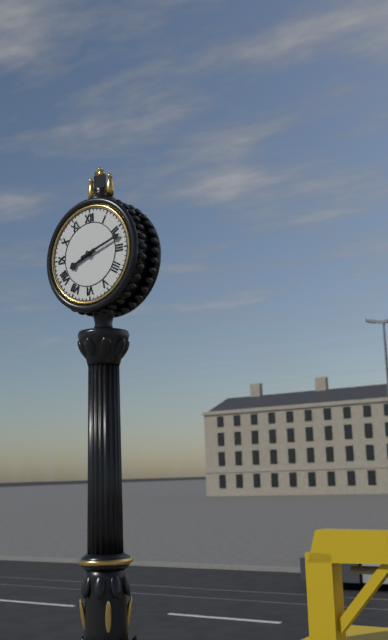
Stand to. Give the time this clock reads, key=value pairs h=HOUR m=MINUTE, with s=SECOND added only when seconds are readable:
h=8 m=12
